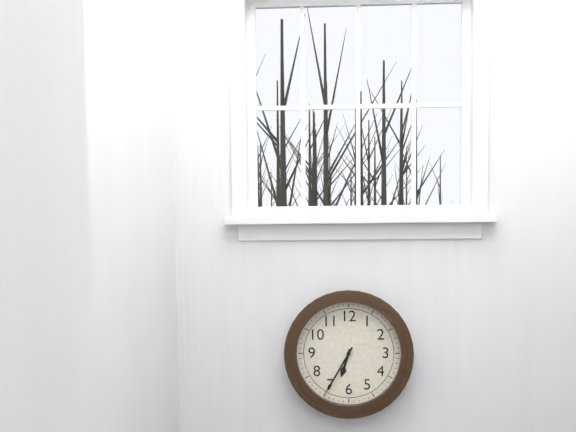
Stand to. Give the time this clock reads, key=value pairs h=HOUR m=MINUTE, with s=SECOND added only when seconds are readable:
h=6 m=35
